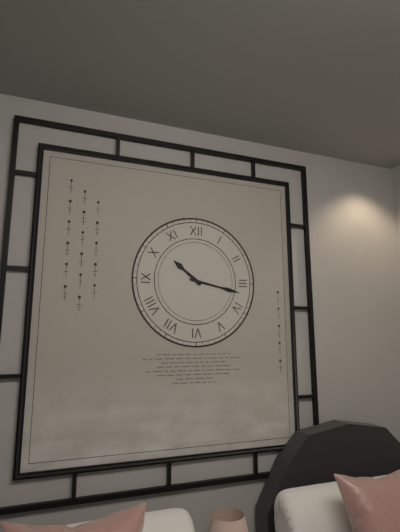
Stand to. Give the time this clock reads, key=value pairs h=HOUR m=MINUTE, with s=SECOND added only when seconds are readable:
h=10 m=17
